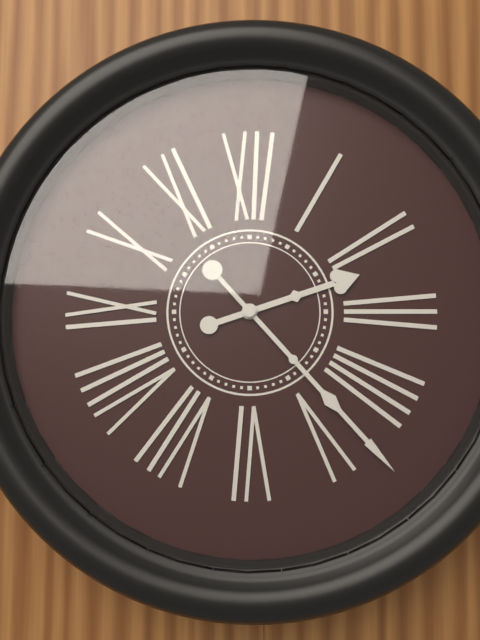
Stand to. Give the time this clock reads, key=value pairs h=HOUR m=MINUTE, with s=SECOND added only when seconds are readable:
h=2 m=23
